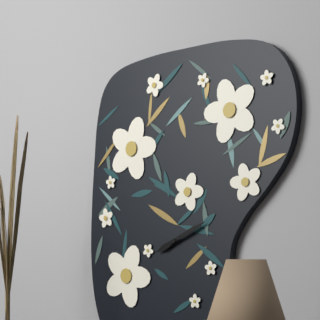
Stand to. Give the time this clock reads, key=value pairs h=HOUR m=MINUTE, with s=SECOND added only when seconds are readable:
h=8 m=11
